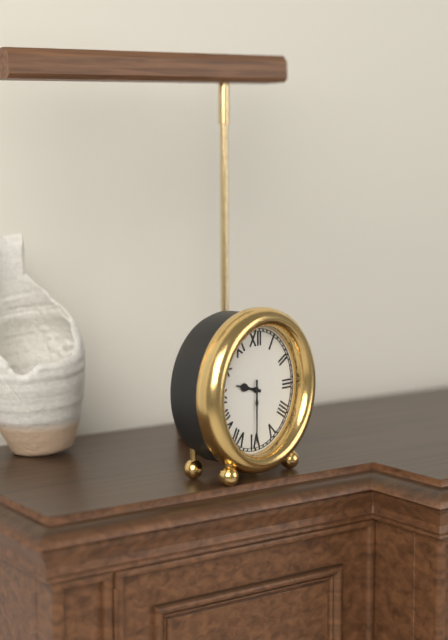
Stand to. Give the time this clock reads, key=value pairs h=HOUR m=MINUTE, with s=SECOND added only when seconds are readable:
h=9 m=30
